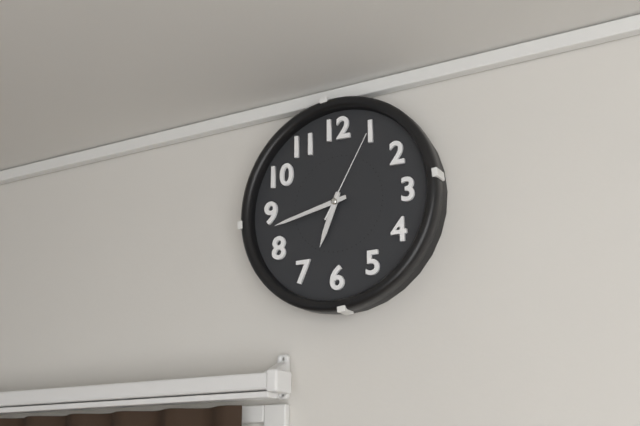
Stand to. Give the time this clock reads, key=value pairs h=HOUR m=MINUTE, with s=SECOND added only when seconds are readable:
h=6 m=43 s=5
